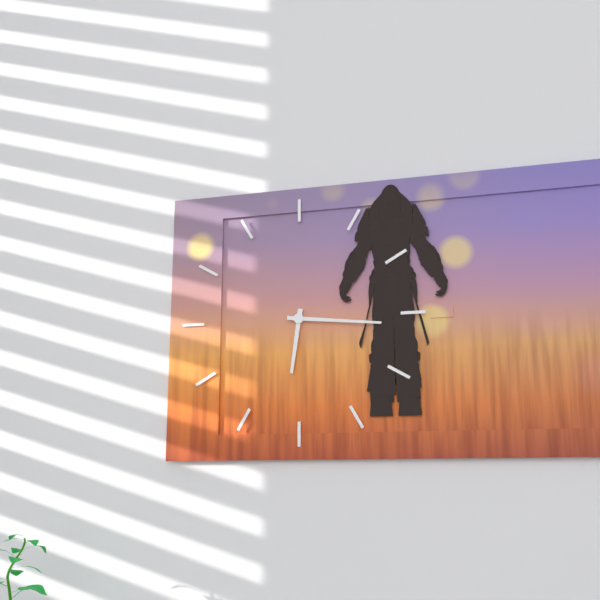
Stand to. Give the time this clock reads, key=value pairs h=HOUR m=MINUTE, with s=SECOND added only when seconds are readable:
h=6 m=16
